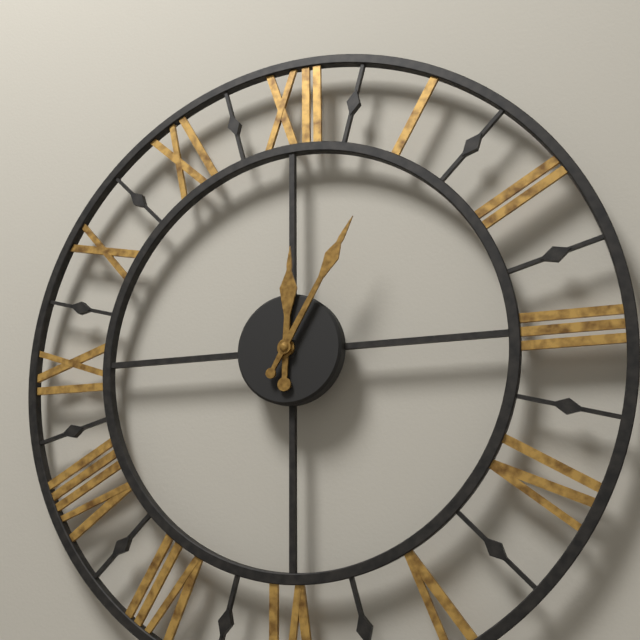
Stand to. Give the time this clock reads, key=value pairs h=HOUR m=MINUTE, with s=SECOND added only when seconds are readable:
h=12 m=5
